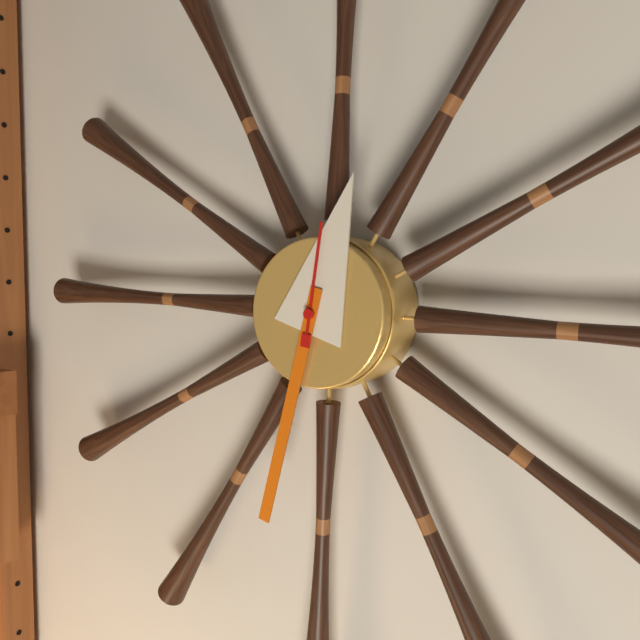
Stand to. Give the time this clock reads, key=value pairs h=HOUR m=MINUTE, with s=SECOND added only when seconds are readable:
h=12 m=32 s=1
